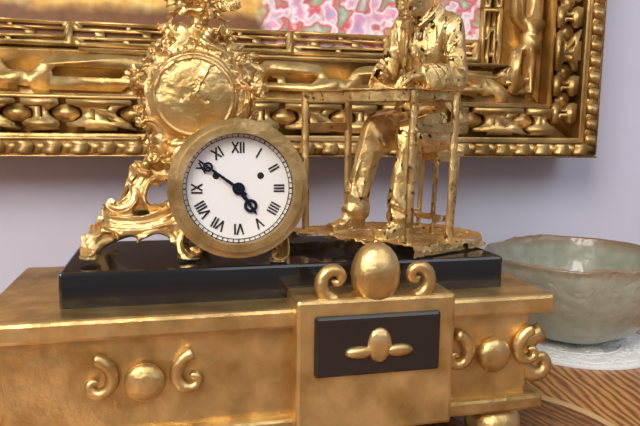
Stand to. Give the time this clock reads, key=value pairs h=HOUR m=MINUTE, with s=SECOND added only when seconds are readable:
h=4 m=51
